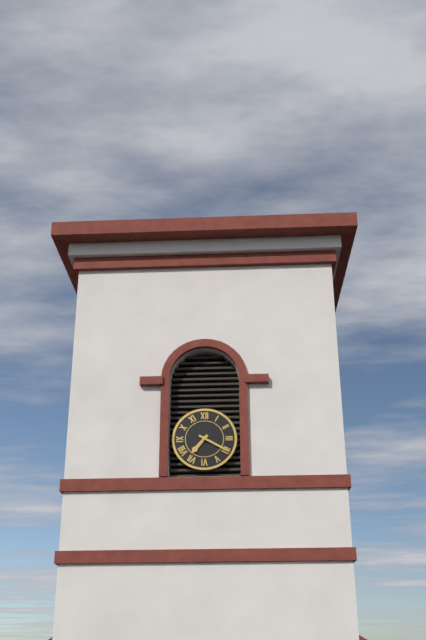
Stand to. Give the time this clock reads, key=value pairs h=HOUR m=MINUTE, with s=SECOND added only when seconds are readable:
h=7 m=20
